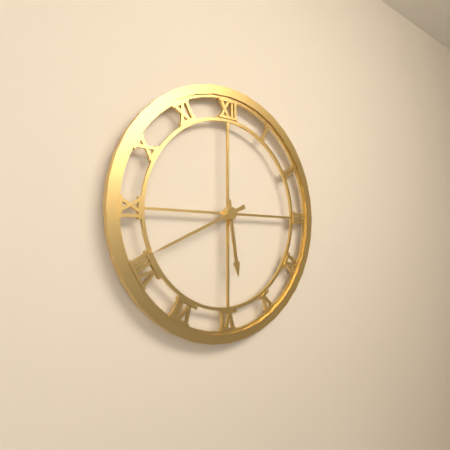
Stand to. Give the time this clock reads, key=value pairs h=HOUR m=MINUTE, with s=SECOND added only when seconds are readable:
h=5 m=41
